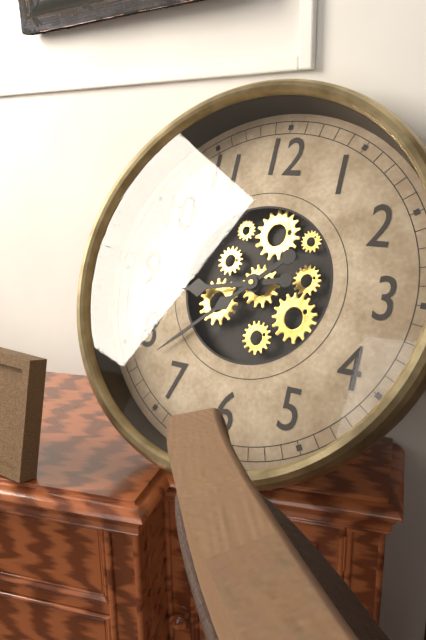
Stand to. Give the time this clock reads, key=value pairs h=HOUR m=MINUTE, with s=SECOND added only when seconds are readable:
h=8 m=38
